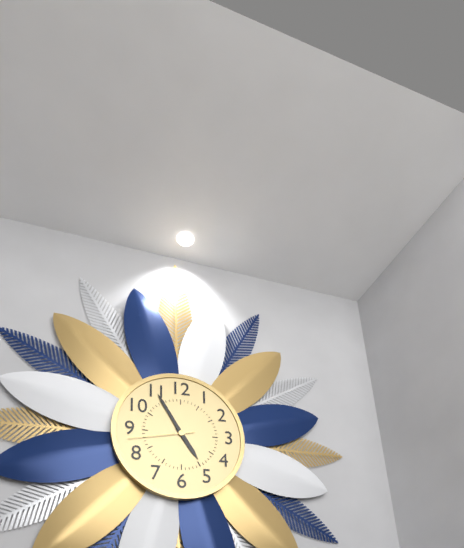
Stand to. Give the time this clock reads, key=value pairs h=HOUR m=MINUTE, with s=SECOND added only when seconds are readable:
h=4 m=55 s=43
